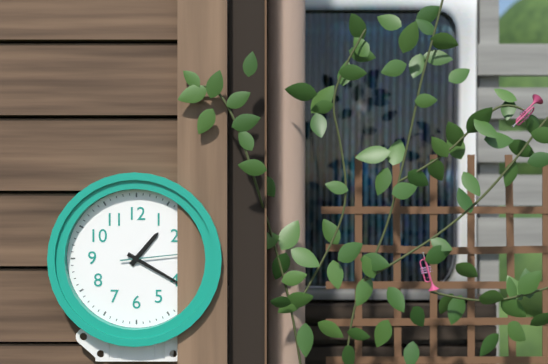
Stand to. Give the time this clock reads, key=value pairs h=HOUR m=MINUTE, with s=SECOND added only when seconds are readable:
h=1 m=20
